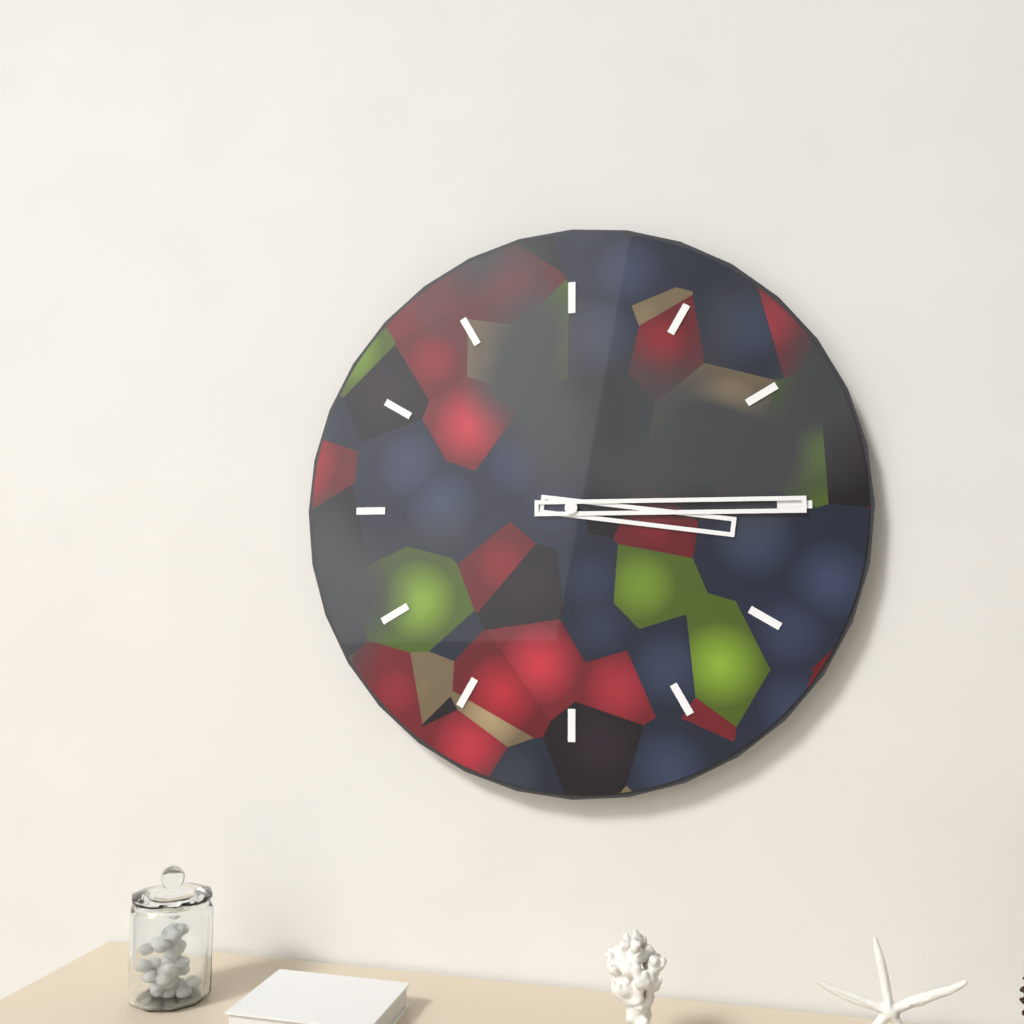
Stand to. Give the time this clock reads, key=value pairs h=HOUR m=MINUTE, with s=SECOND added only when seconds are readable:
h=3 m=15
